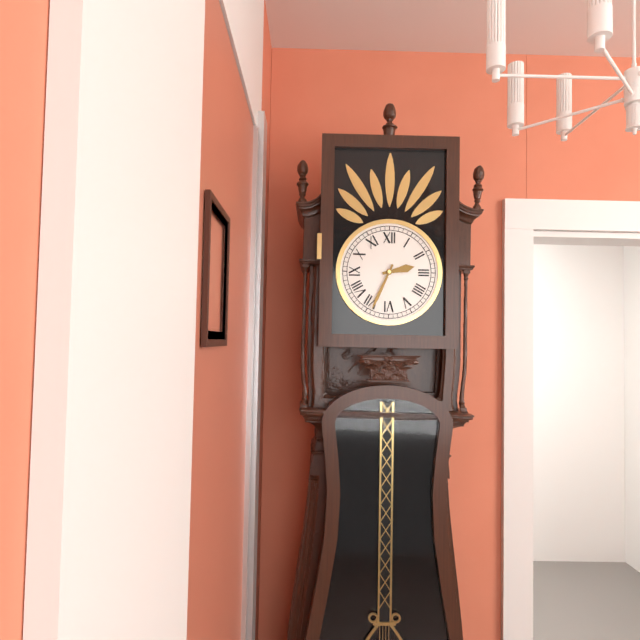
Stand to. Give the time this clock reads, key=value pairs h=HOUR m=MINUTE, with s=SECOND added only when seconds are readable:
h=2 m=34
